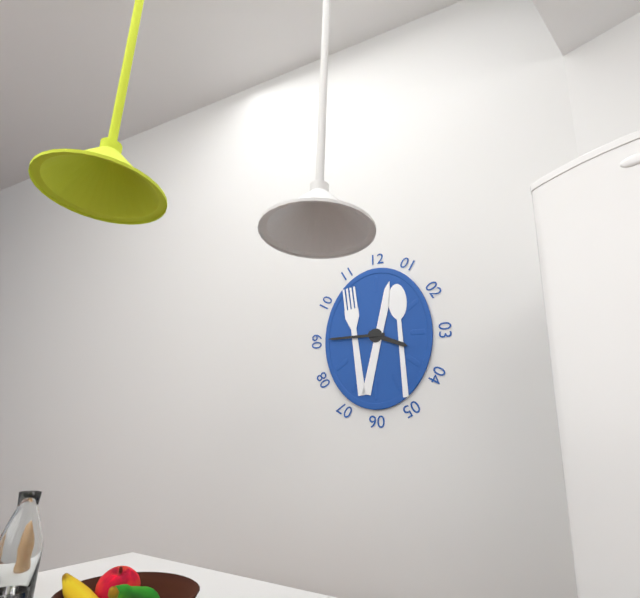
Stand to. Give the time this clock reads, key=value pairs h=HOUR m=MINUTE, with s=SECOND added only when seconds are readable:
h=3 m=45
